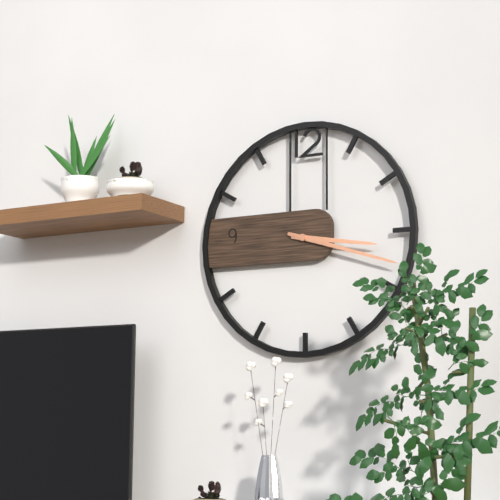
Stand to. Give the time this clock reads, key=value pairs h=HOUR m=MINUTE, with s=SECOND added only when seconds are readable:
h=3 m=18
